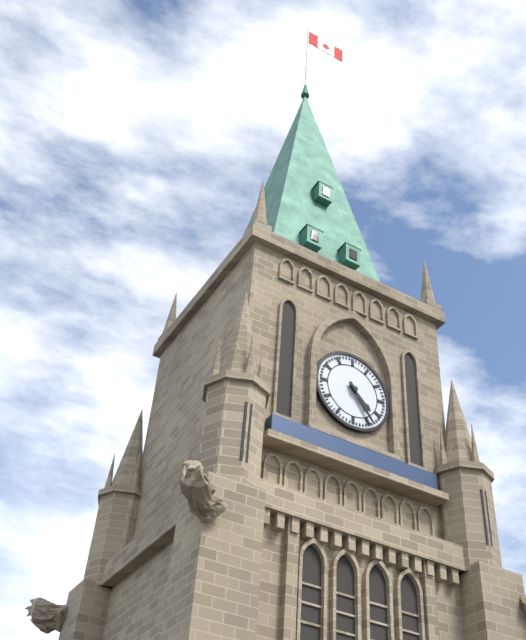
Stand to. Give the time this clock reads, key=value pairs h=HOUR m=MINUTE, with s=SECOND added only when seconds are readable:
h=4 m=24
